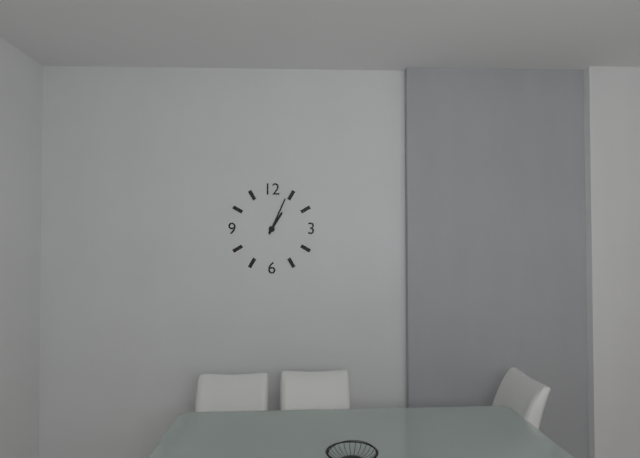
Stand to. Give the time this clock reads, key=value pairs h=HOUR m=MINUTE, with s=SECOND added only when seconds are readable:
h=1 m=4
